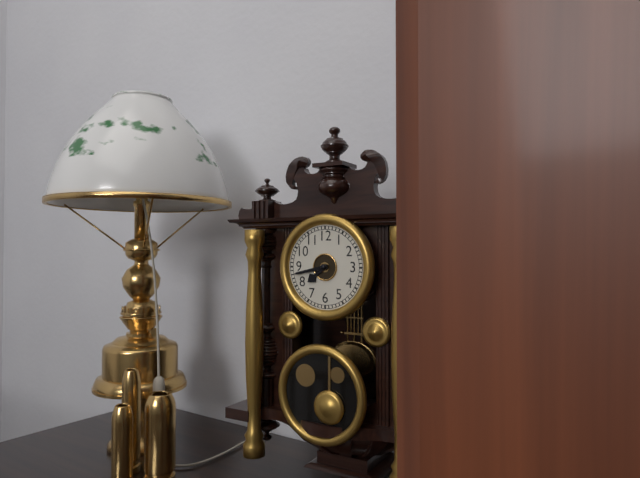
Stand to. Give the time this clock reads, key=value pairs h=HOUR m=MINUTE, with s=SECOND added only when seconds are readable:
h=7 m=43
